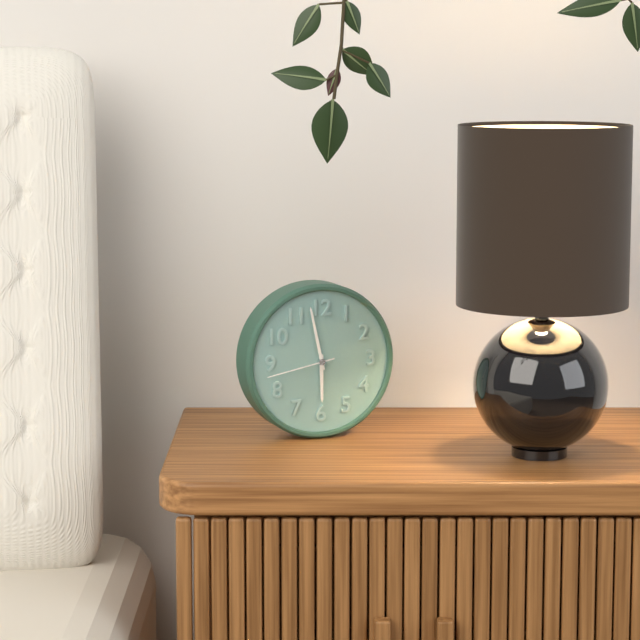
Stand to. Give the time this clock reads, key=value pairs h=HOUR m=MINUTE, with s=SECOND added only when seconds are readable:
h=5 m=58 s=43
